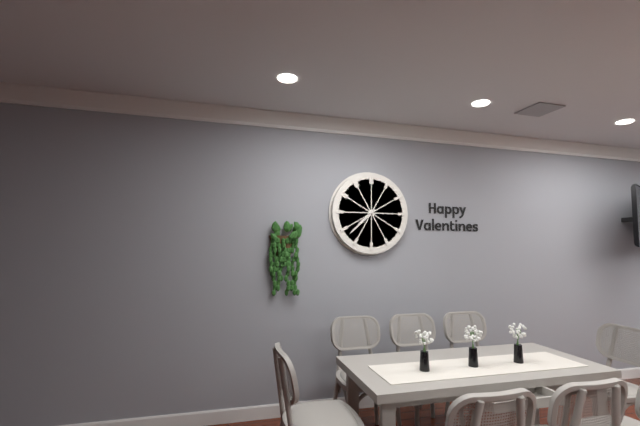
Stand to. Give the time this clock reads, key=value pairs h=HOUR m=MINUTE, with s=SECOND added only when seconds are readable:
h=7 m=38
